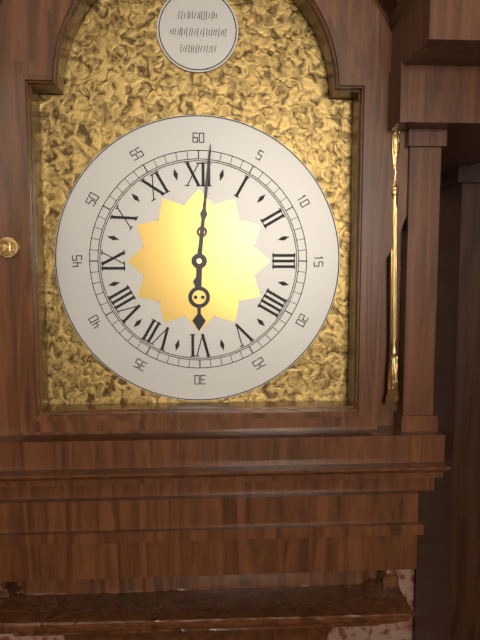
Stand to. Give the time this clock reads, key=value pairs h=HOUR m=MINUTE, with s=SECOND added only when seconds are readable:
h=6 m=1
